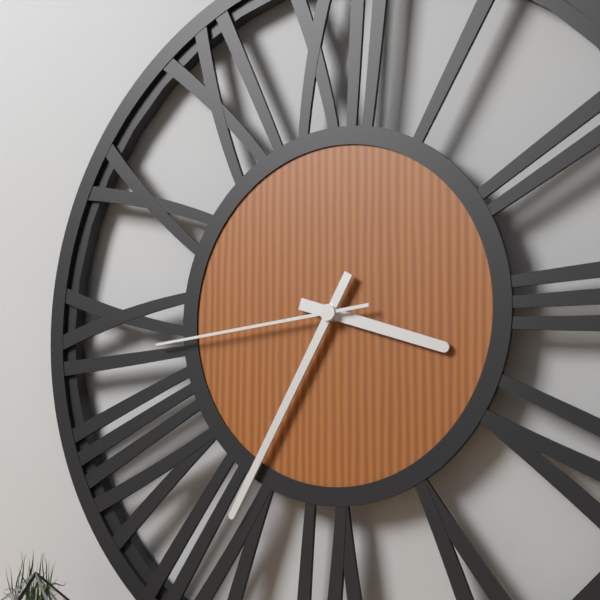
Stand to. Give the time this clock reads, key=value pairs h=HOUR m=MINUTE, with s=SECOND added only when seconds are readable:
h=3 m=35 s=44
